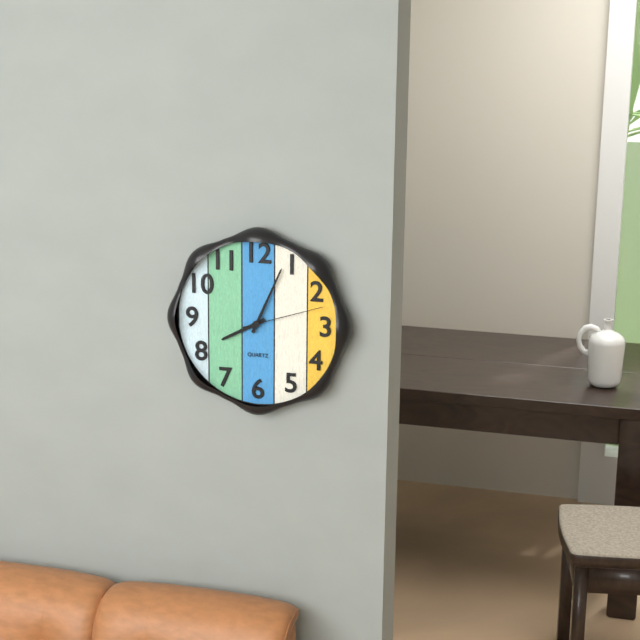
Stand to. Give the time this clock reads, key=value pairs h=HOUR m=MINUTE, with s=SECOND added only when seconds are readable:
h=8 m=4 s=12
